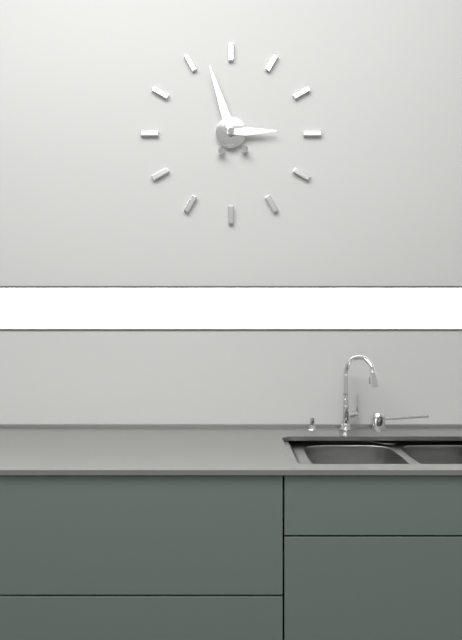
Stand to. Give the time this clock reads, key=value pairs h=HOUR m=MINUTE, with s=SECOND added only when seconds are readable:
h=2 m=57
